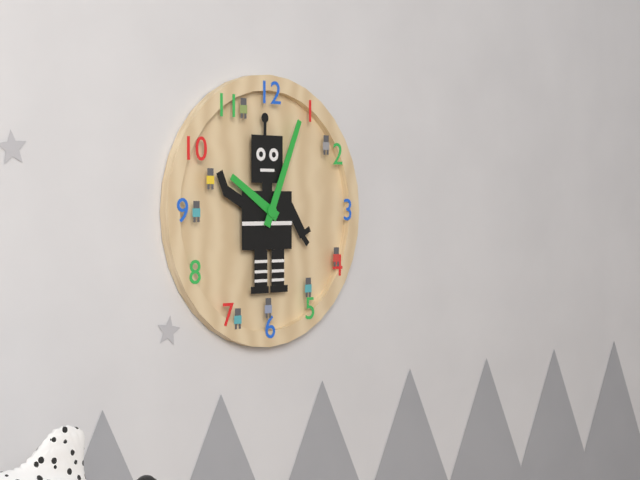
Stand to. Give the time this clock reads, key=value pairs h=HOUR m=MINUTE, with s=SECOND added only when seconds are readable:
h=10 m=4
